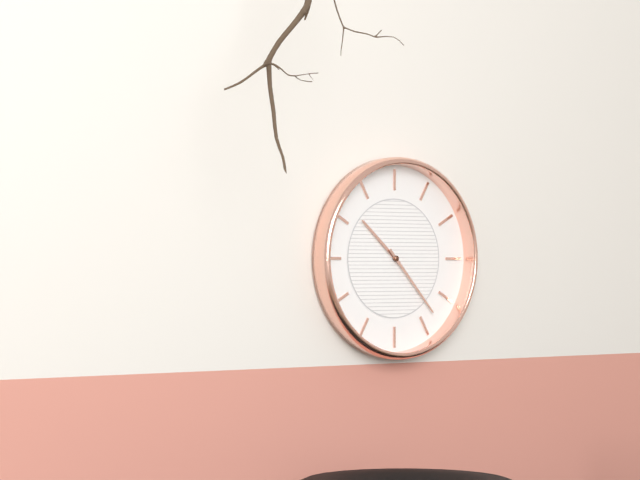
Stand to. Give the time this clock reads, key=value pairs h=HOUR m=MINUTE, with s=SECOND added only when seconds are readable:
h=10 m=23
